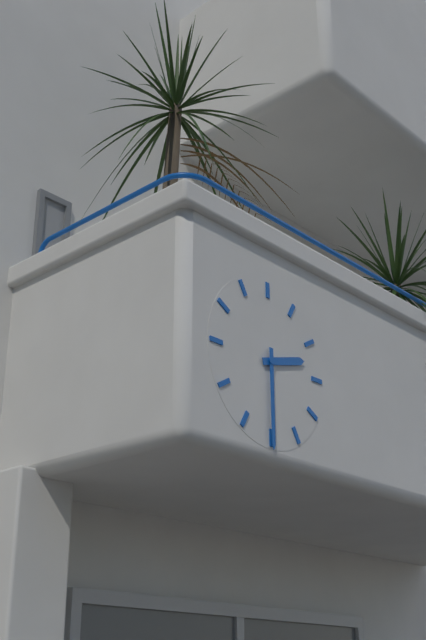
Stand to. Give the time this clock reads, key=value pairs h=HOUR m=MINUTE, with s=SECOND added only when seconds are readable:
h=2 m=30
